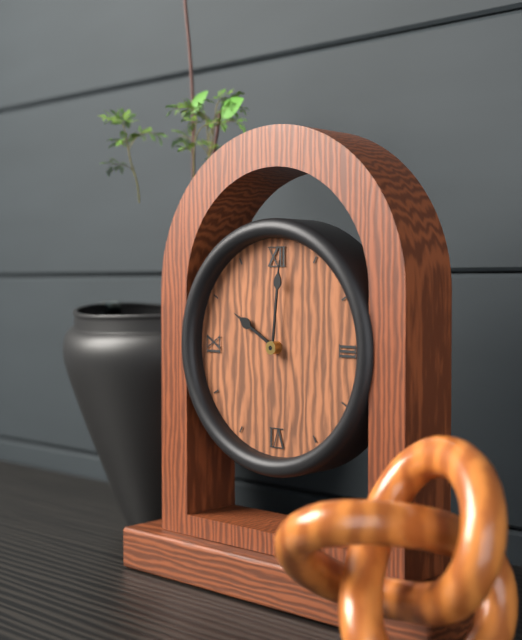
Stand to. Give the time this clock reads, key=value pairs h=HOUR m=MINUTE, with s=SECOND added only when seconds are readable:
h=10 m=1
